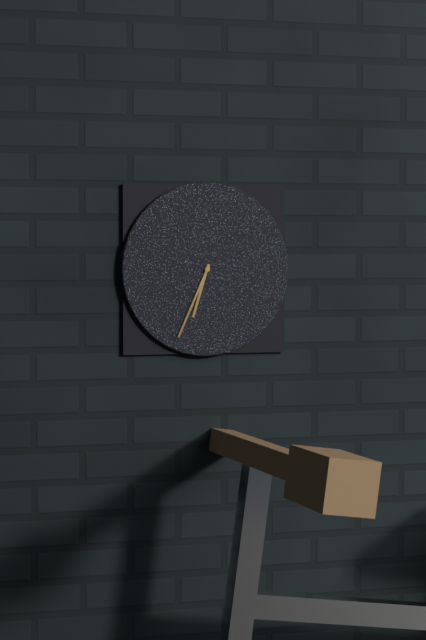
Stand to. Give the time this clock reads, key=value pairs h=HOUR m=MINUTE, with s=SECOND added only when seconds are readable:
h=6 m=34
